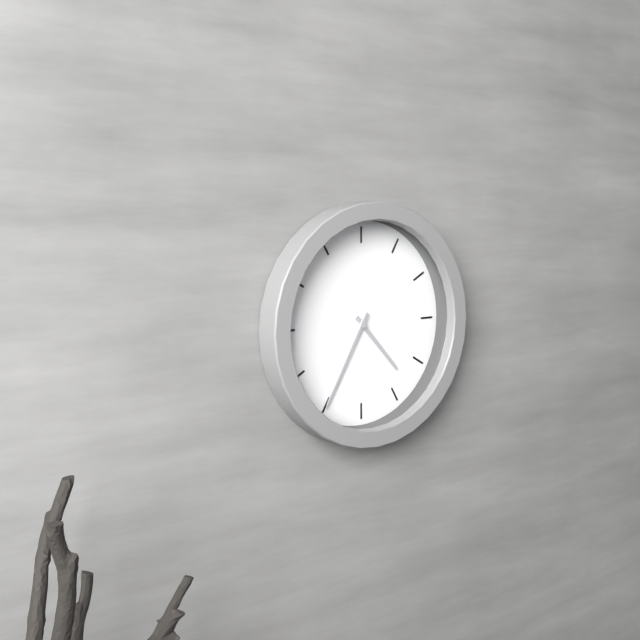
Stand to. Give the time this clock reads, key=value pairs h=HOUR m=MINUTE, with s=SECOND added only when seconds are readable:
h=4 m=35
